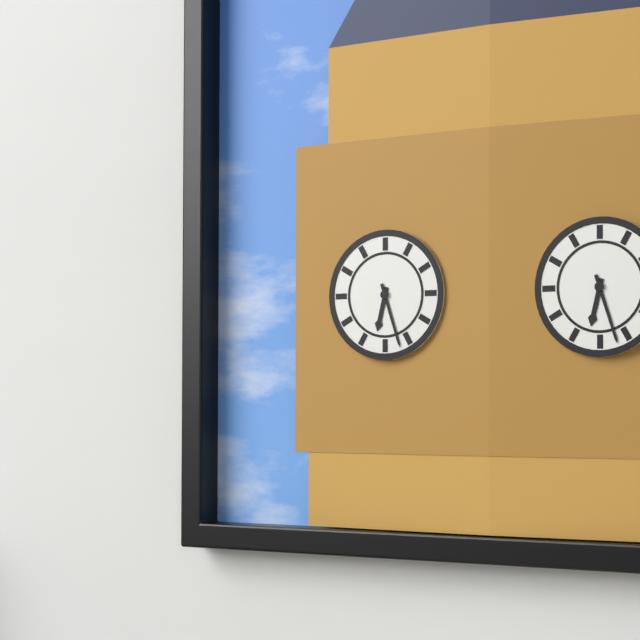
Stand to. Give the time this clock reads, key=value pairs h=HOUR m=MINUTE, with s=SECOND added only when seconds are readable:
h=6 m=27
